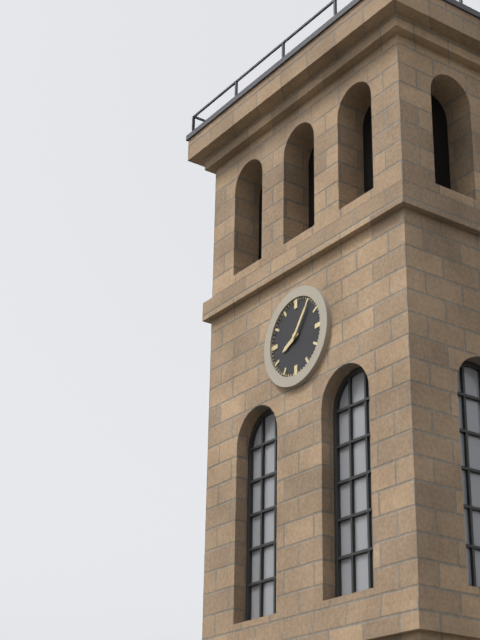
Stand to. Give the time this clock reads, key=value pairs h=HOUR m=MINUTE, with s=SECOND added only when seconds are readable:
h=8 m=6
